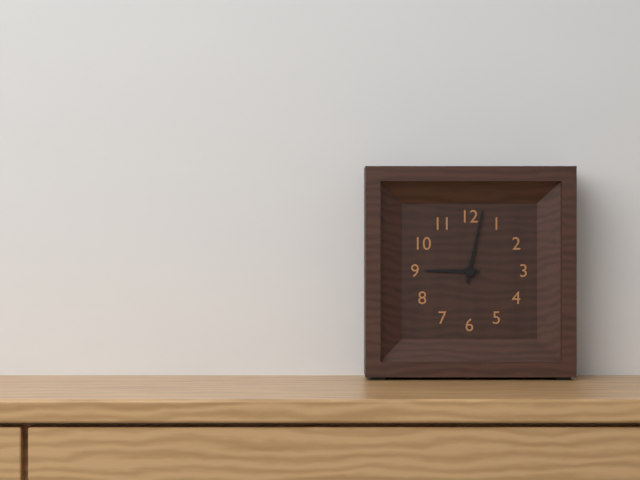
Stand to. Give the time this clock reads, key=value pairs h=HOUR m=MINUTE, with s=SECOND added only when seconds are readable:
h=9 m=2
